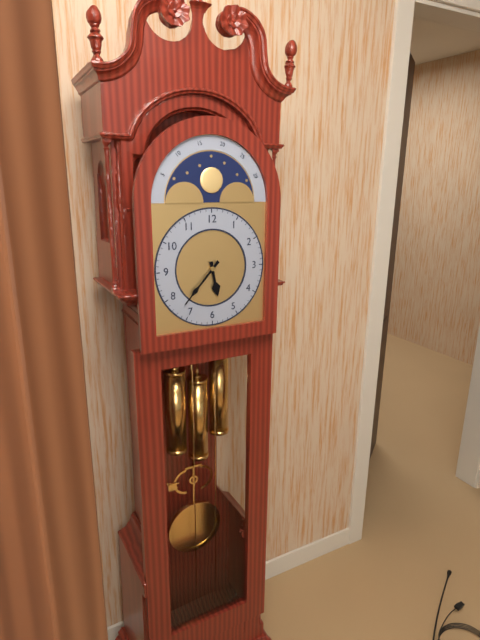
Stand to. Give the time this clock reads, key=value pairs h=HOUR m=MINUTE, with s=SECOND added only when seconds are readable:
h=5 m=37
